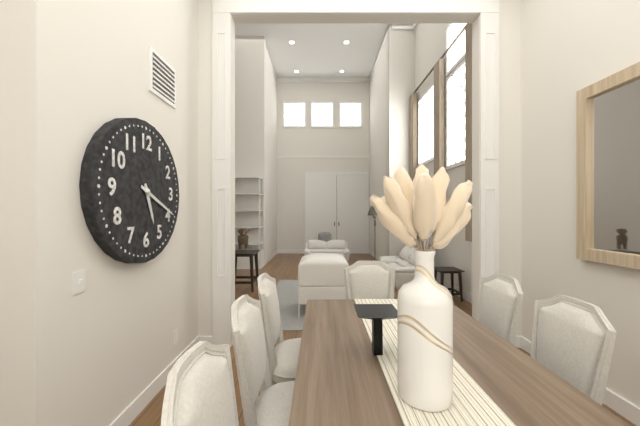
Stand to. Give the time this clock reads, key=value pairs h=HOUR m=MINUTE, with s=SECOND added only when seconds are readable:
h=5 m=19
